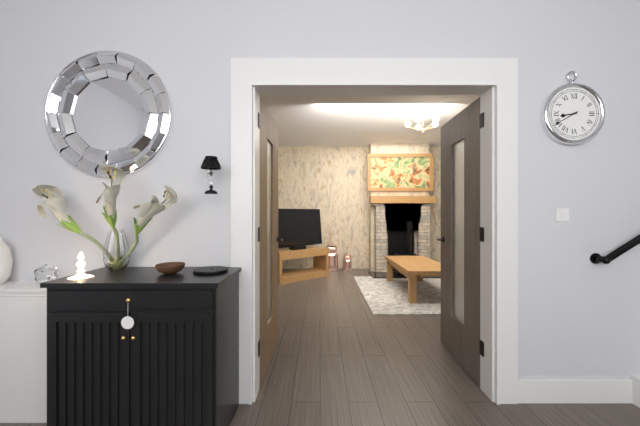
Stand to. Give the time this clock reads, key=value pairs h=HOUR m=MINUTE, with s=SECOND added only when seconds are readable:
h=8 m=40
